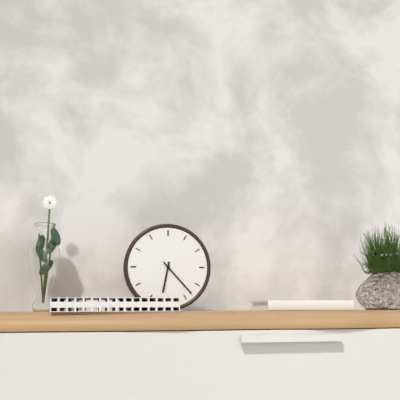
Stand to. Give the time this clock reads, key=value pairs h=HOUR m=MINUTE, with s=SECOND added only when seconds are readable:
h=6 m=23
